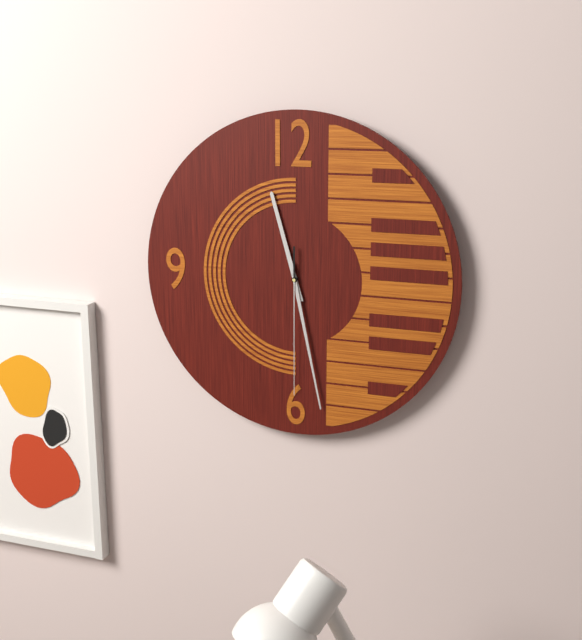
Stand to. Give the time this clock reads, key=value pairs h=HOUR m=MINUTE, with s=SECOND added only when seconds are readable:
h=11 m=28 s=30
